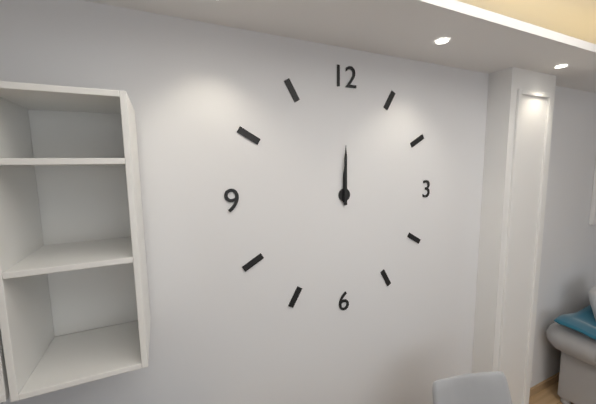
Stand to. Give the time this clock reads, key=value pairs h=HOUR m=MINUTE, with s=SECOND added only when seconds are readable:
h=12 m=0
